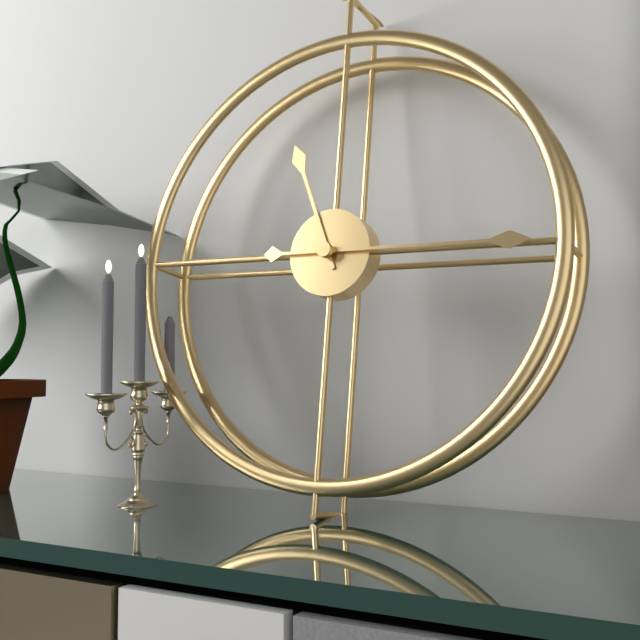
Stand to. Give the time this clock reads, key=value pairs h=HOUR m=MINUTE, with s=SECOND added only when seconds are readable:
h=11 m=15
